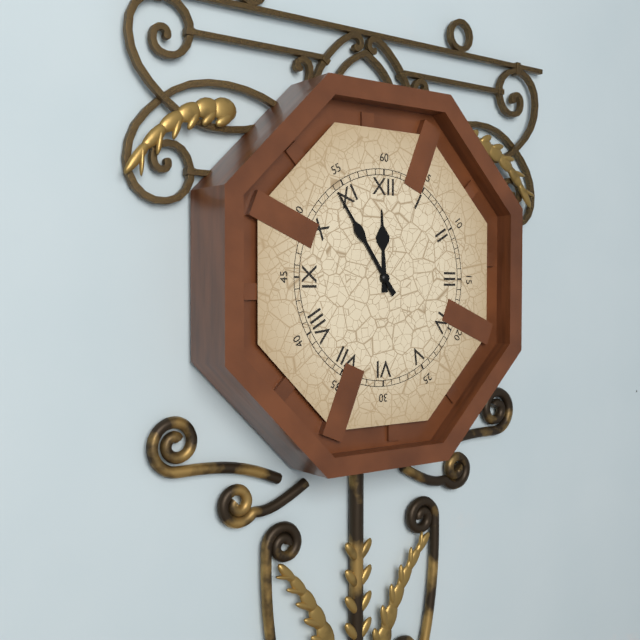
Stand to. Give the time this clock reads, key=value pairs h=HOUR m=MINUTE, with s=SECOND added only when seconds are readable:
h=11 m=54
